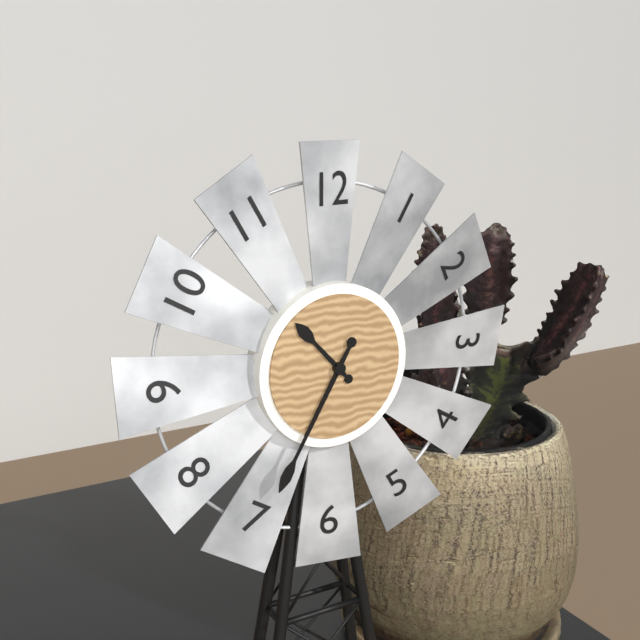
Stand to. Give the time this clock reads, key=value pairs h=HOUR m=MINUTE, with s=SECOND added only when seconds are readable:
h=10 m=35
